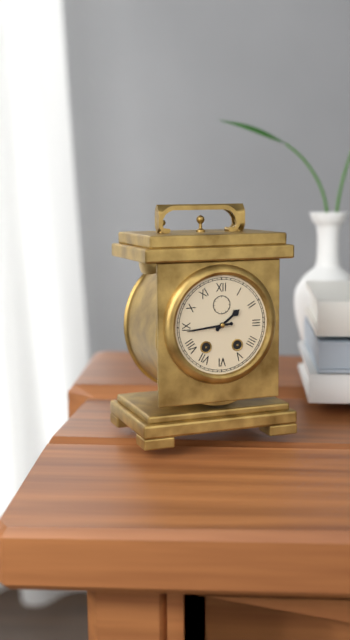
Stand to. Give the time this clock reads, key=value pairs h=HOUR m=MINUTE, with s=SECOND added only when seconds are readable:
h=1 m=44
